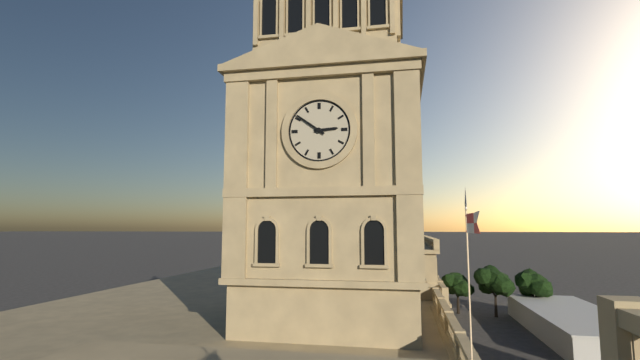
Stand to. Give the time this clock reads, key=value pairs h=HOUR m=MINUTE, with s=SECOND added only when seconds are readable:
h=2 m=51
